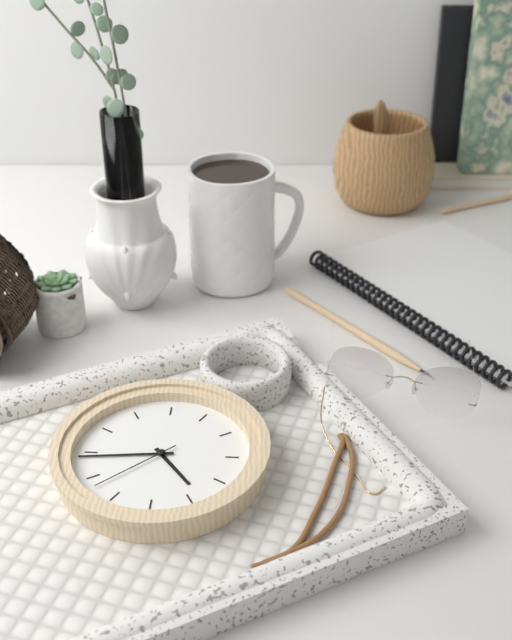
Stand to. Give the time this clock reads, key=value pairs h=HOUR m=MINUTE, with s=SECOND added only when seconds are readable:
h=4 m=44 s=38
